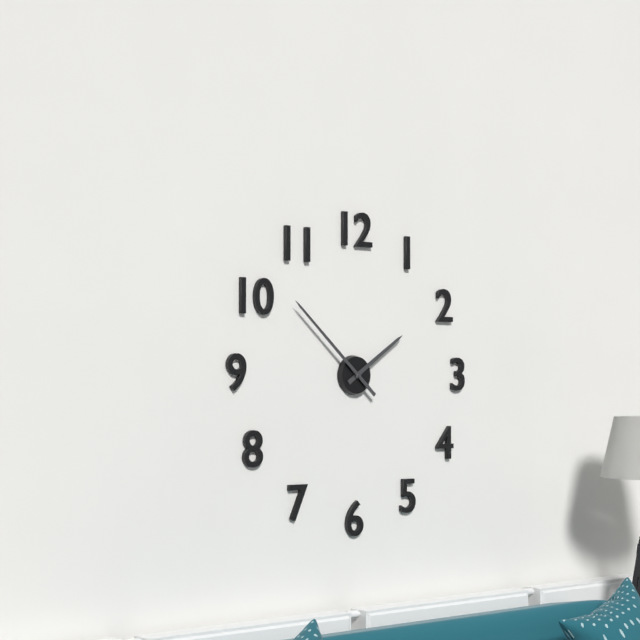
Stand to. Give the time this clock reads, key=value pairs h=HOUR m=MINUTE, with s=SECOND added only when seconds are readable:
h=1 m=52
